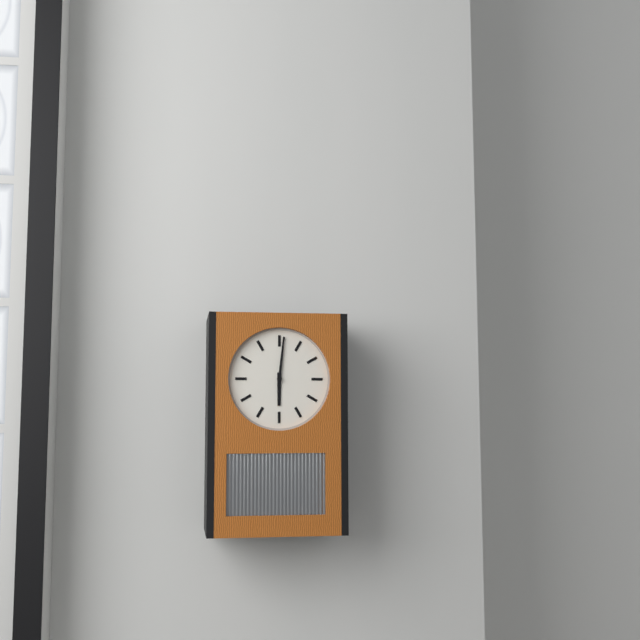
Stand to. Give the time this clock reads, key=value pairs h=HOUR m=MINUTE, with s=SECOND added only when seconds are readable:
h=6 m=1
